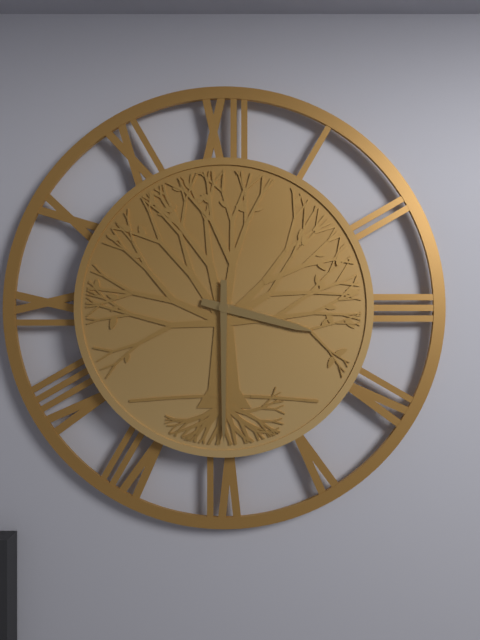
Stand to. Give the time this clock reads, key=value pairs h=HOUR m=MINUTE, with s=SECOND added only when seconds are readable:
h=3 m=30
